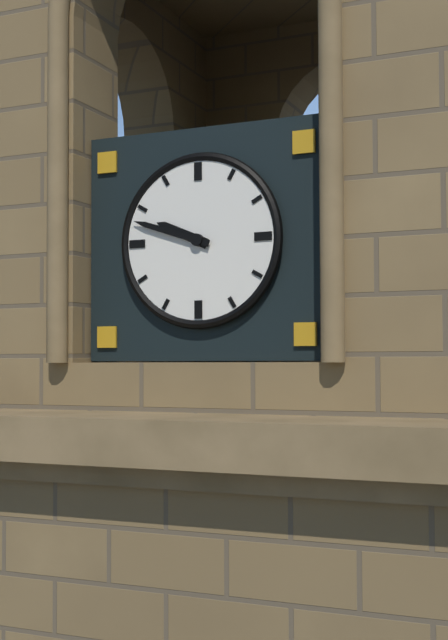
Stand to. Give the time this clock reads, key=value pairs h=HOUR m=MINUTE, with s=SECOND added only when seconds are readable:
h=9 m=48
